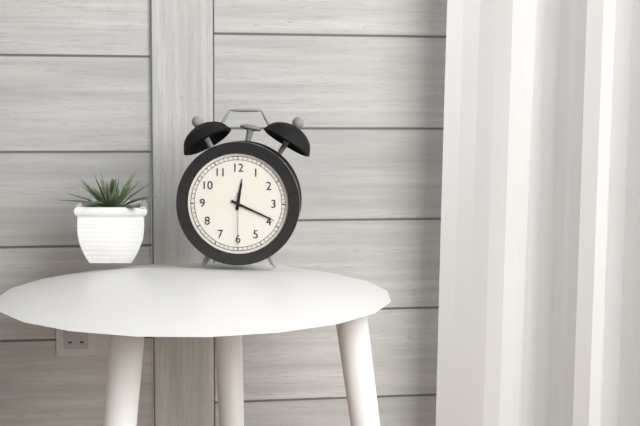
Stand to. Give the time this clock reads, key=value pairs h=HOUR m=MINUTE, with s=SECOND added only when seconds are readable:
h=12 m=19 s=30
